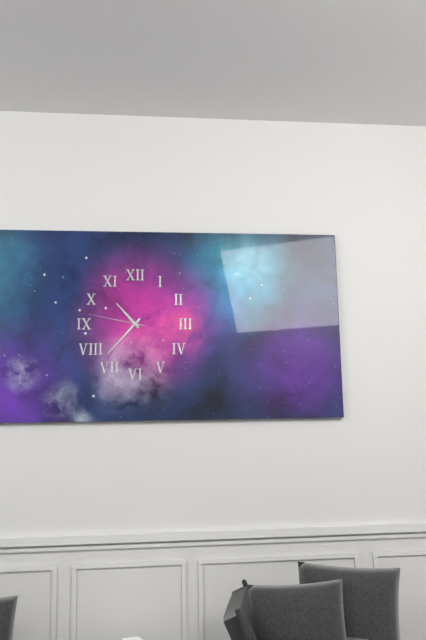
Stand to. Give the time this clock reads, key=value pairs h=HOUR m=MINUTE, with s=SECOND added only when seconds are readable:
h=10 m=37 s=47
